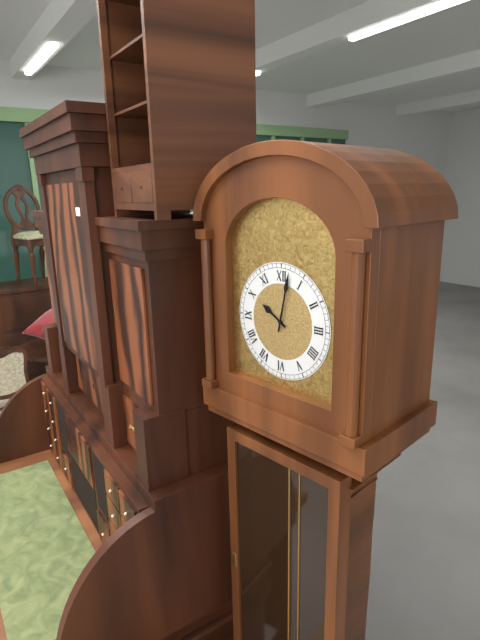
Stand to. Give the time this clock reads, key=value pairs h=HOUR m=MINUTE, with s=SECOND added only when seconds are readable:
h=10 m=2
